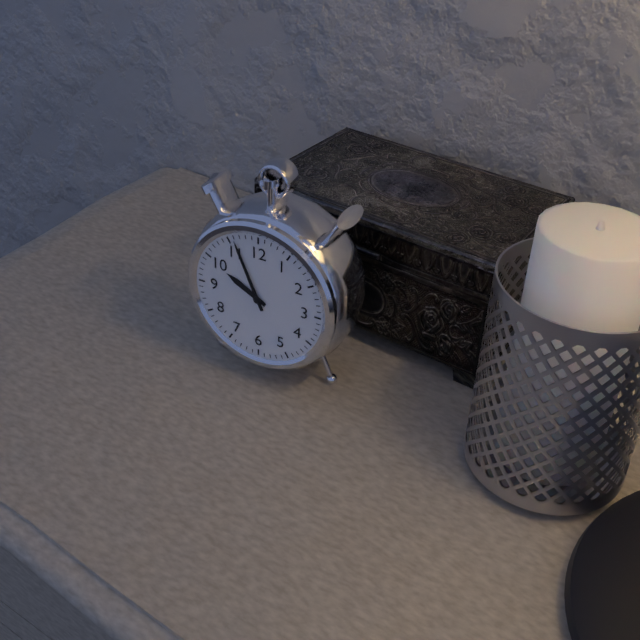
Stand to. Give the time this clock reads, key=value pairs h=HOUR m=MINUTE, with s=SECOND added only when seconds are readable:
h=9 m=56
